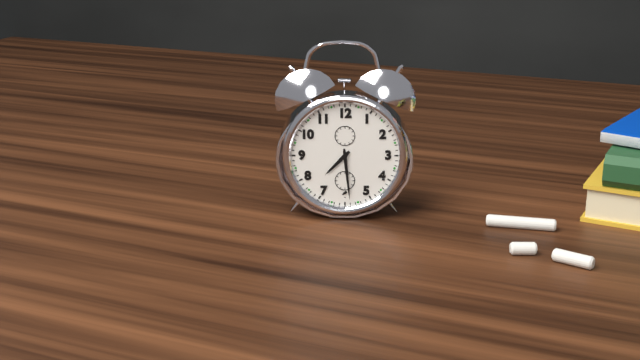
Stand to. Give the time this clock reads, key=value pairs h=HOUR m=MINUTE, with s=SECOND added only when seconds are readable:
h=7 m=29
